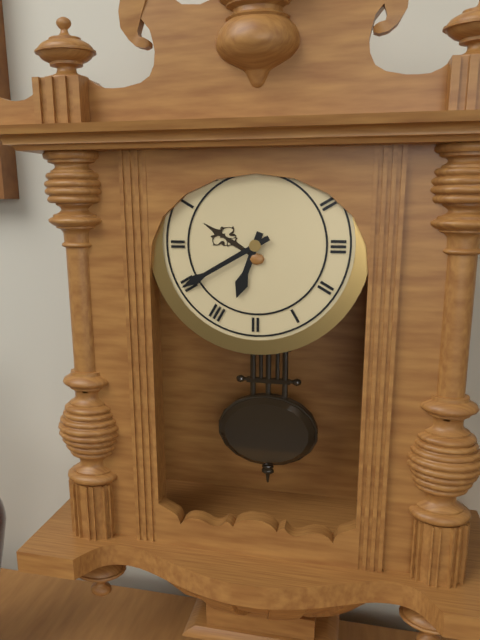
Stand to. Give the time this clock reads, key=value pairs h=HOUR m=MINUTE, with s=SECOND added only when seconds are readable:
h=6 m=40
